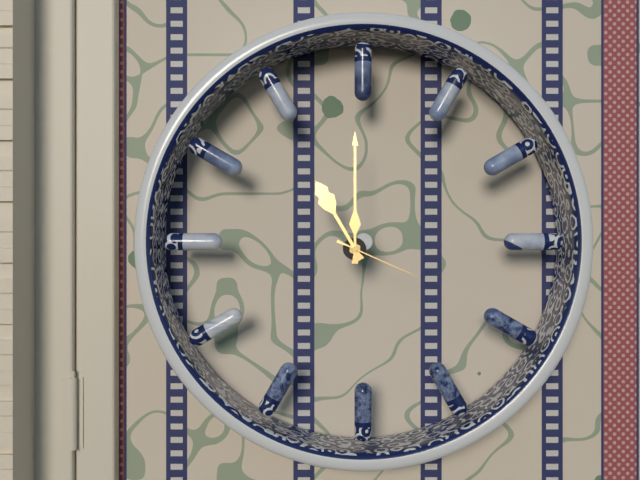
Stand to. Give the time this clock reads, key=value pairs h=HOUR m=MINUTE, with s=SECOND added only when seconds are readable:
h=11 m=0 s=19
